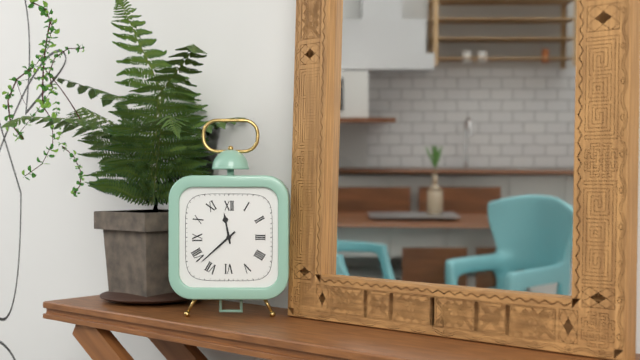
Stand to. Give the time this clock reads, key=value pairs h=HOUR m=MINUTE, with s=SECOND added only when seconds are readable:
h=11 m=38
